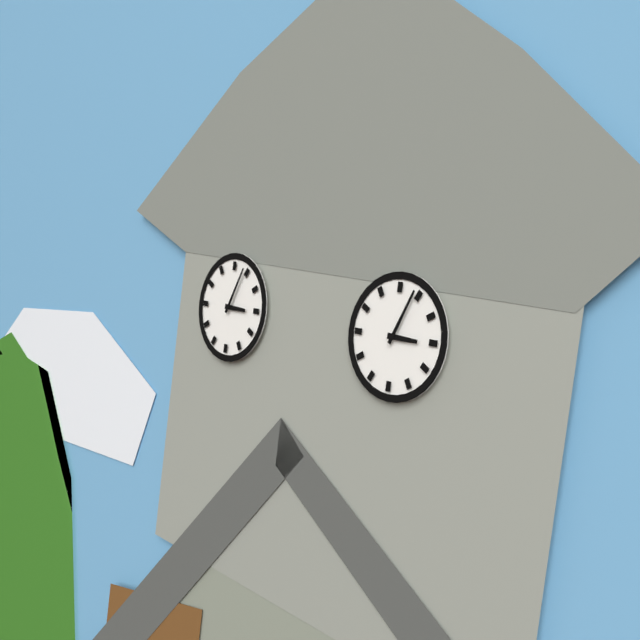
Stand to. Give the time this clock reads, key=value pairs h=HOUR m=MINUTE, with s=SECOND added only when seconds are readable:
h=3 m=4
